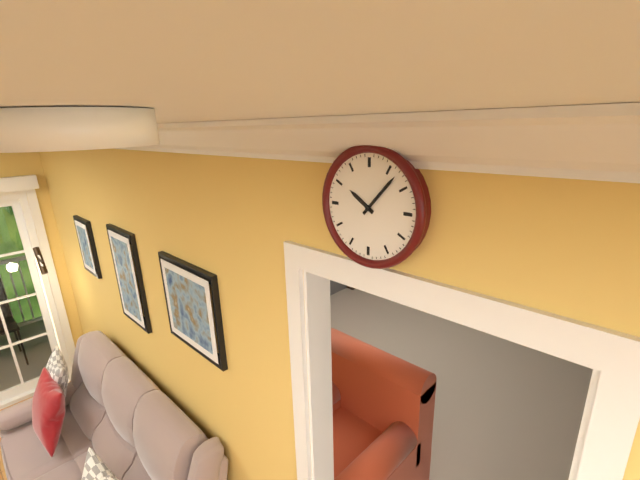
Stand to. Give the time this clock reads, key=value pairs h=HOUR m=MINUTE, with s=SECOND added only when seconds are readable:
h=10 m=7
